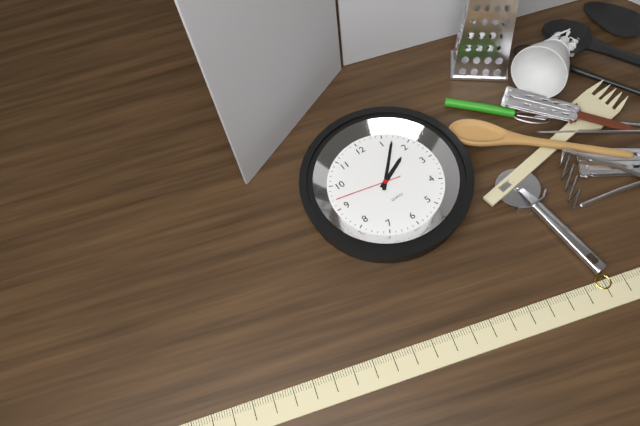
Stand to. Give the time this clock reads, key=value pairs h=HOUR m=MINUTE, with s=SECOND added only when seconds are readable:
h=2 m=7 s=47
